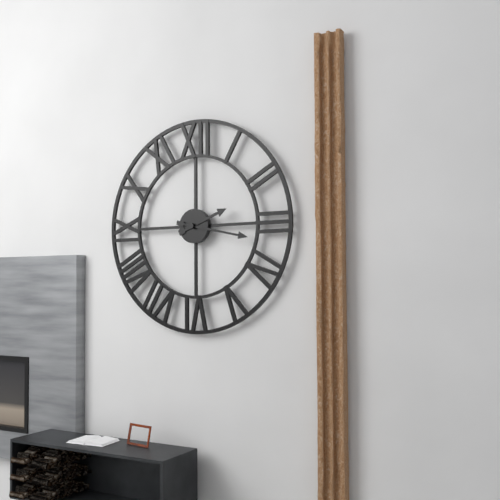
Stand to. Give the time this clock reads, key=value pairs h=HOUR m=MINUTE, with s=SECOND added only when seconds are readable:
h=2 m=17
